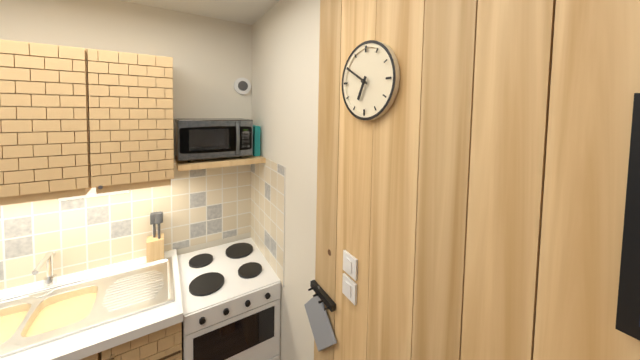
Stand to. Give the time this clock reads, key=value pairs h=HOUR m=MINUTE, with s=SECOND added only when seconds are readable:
h=6 m=50
